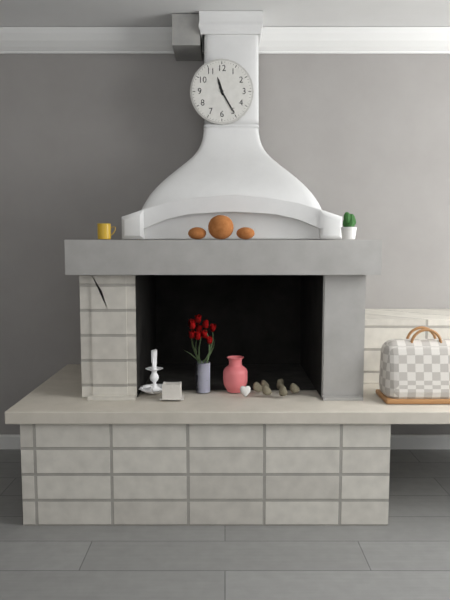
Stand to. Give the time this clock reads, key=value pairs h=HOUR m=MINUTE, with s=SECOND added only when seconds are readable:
h=11 m=25
